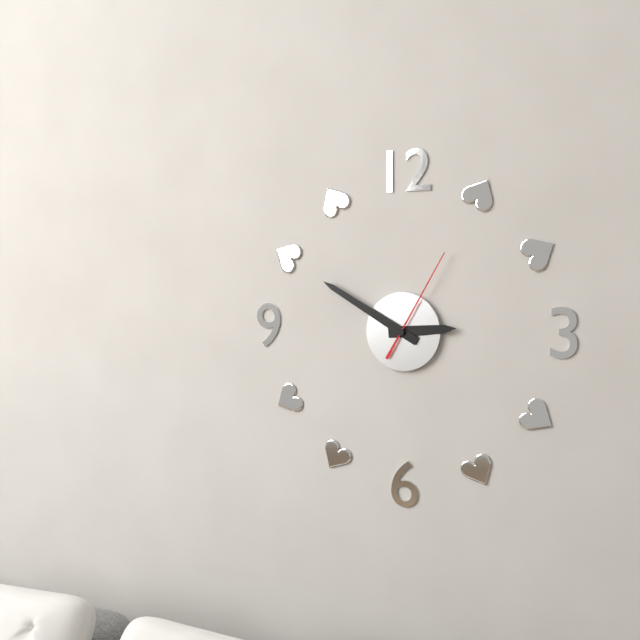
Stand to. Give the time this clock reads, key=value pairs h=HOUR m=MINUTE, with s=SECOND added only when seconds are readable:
h=2 m=50 s=5
